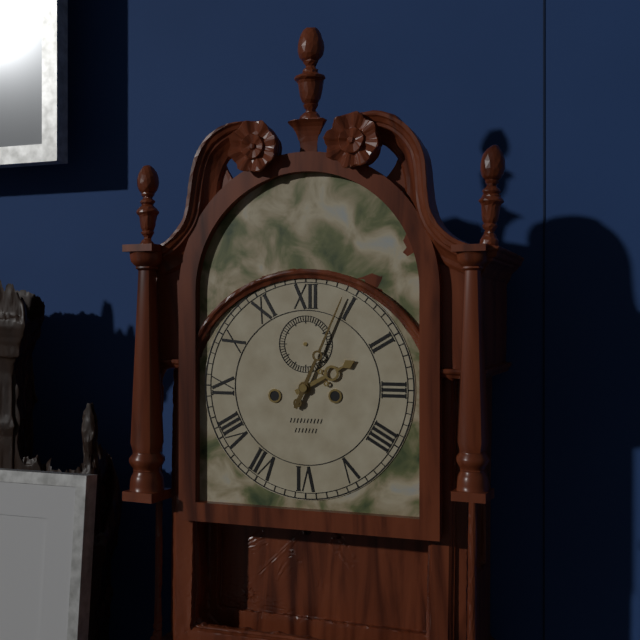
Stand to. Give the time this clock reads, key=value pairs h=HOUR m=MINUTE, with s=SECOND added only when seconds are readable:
h=2 m=4
